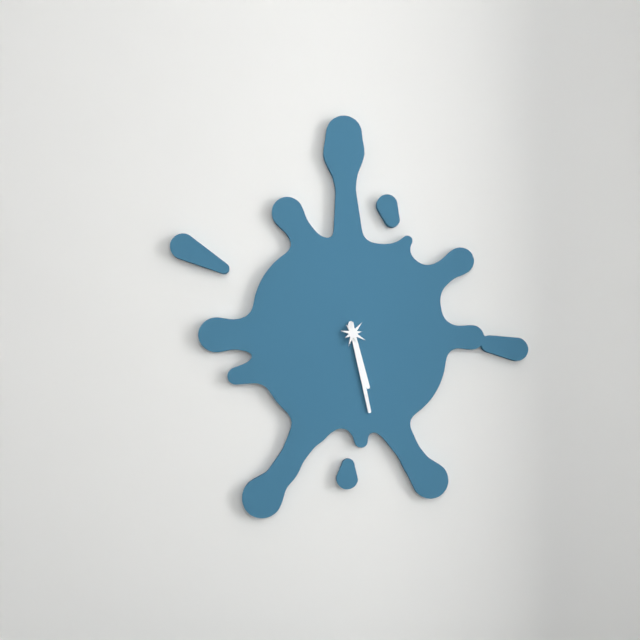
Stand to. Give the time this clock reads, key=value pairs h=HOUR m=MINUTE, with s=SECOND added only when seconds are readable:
h=5 m=28
